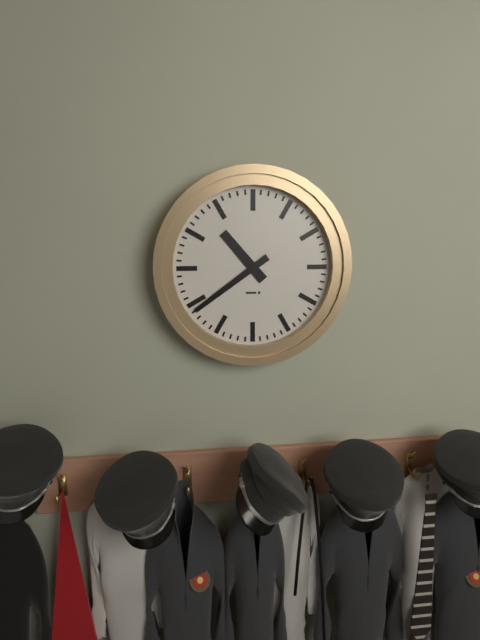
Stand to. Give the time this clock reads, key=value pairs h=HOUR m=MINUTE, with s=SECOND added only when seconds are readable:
h=10 m=39
